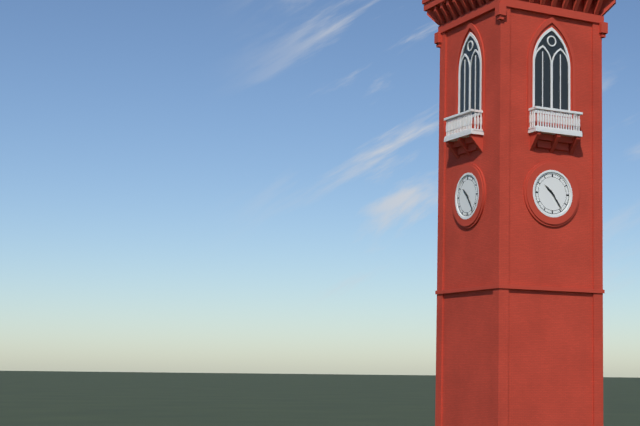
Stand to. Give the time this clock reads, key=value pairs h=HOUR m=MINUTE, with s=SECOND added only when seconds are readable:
h=10 m=24
